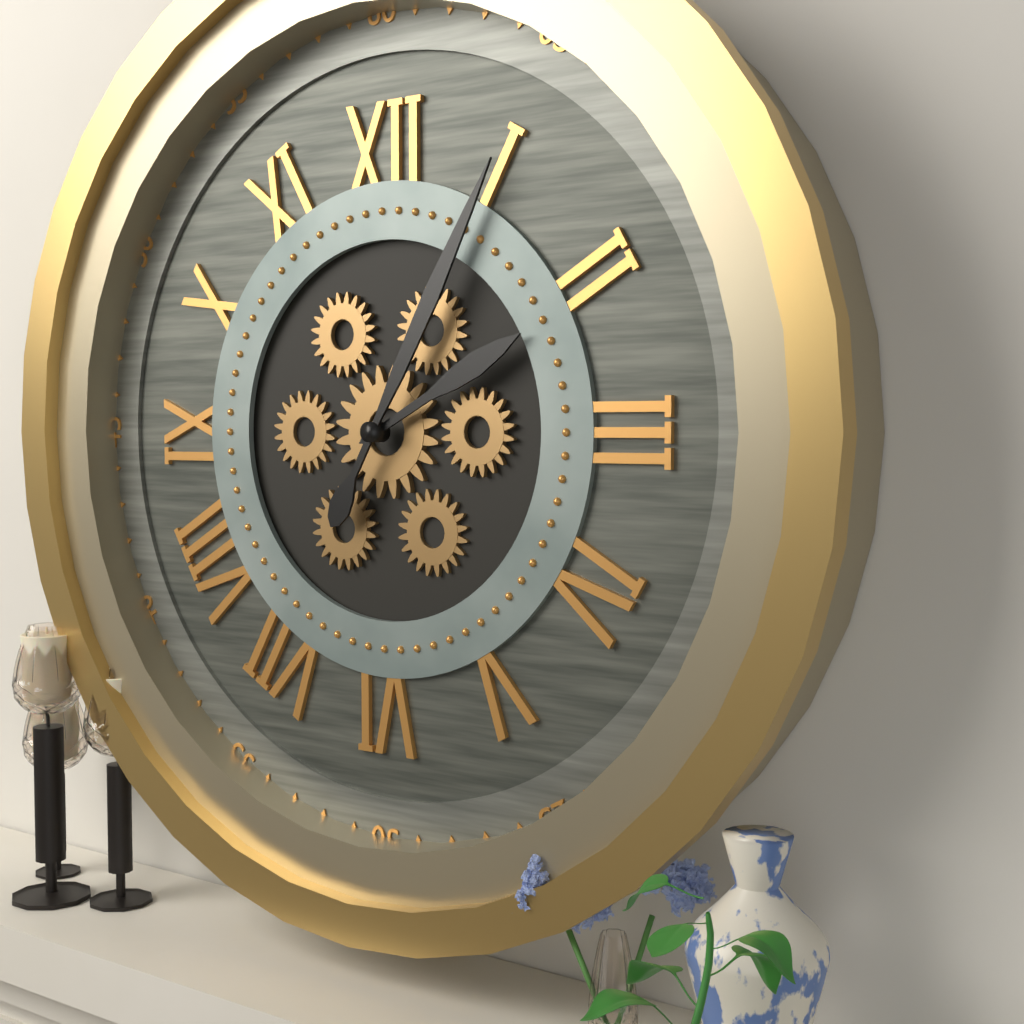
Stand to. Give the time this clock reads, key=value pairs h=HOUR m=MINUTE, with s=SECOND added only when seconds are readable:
h=2 m=5
